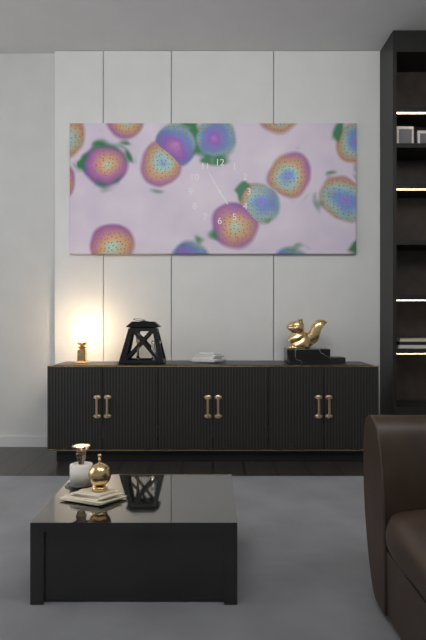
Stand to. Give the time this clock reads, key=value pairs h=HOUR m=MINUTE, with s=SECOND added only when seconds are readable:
h=4 m=55
